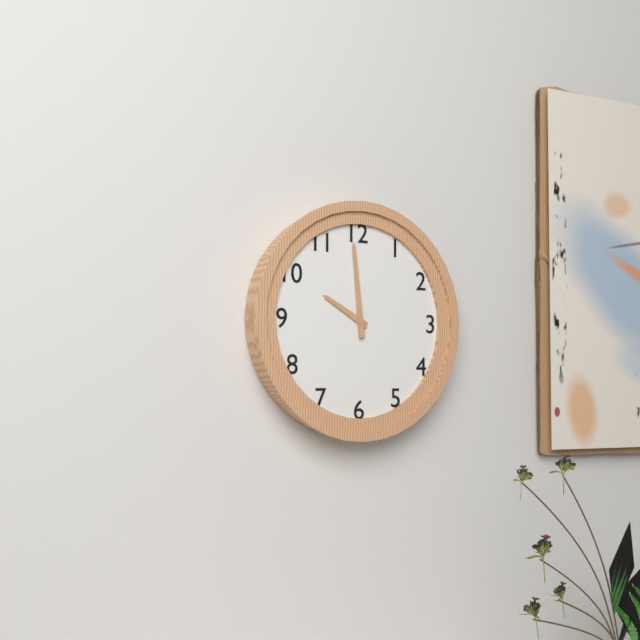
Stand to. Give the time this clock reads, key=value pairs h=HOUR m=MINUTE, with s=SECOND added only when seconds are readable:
h=9 m=59
